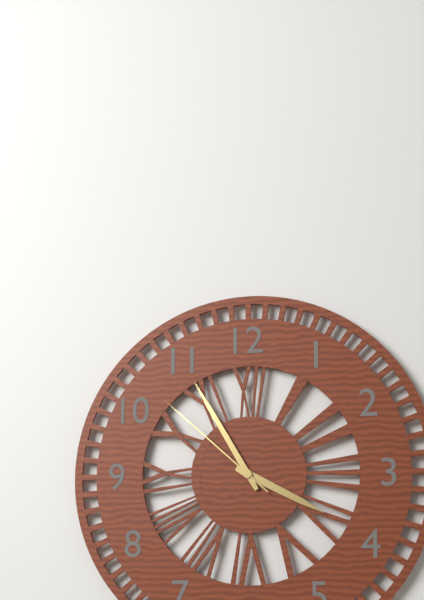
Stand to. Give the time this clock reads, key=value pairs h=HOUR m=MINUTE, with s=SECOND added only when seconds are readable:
h=3 m=55 s=52
